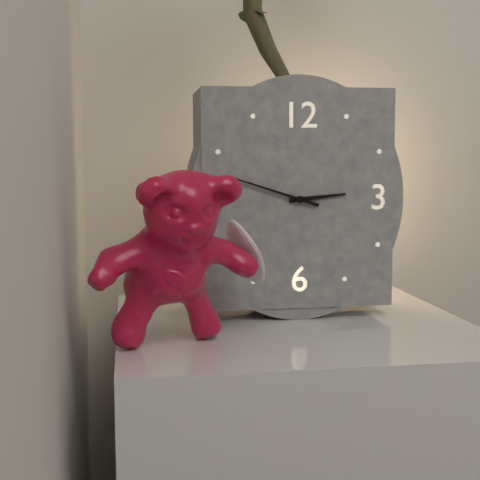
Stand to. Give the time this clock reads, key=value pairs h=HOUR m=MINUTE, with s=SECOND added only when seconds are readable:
h=2 m=48
